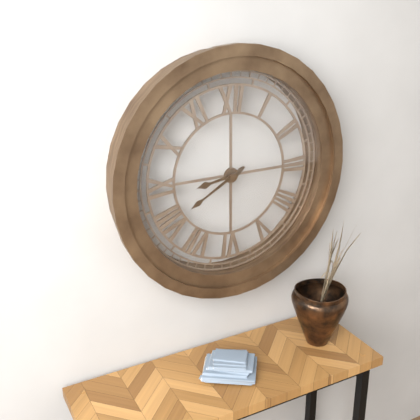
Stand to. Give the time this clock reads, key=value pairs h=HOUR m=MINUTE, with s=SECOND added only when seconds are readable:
h=8 m=40
